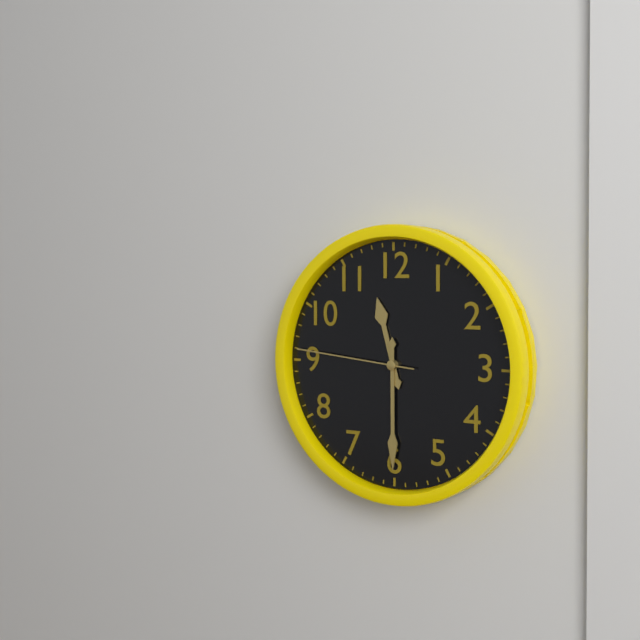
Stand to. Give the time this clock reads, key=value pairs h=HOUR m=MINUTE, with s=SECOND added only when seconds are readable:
h=11 m=30 s=46
